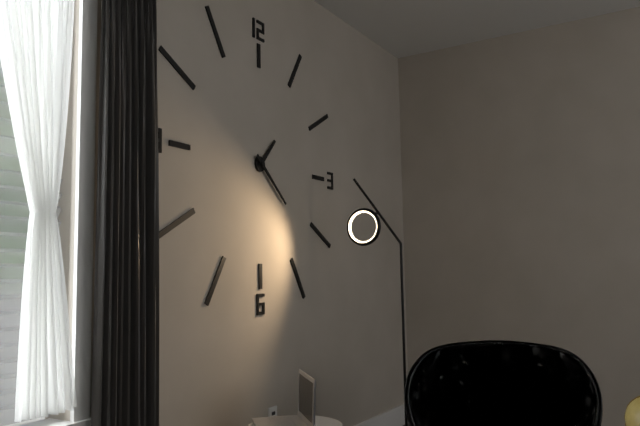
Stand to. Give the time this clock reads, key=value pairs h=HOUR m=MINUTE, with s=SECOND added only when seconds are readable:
h=1 m=22
